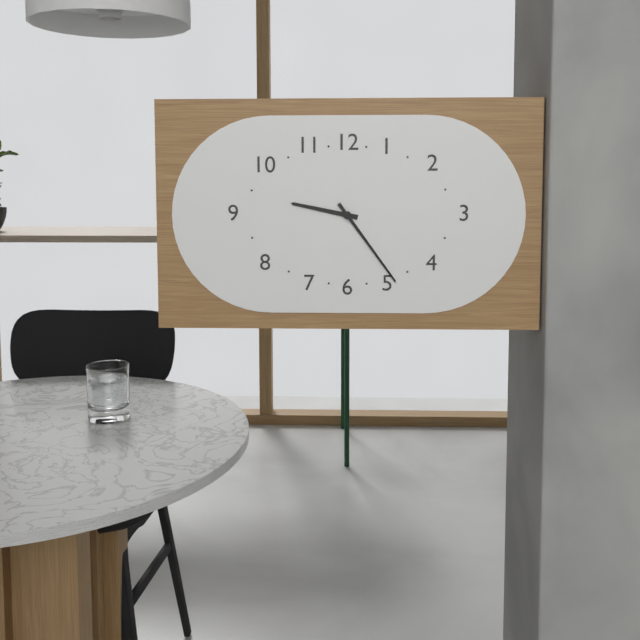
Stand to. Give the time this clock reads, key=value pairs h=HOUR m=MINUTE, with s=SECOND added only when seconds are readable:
h=9 m=24
